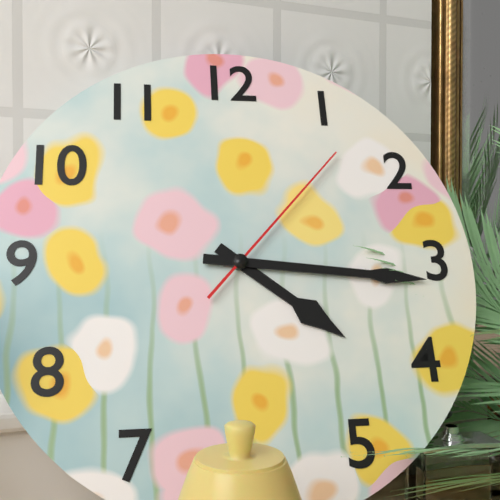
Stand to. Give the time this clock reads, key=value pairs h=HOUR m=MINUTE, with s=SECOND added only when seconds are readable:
h=4 m=16 s=7
